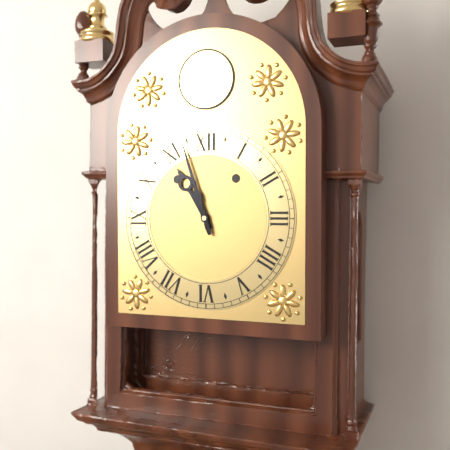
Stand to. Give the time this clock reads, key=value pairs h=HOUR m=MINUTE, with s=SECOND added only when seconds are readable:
h=10 m=57
